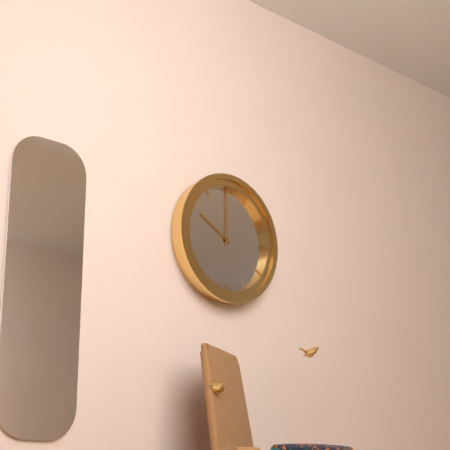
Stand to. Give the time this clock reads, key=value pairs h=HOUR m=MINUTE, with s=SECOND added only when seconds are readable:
h=10 m=0
